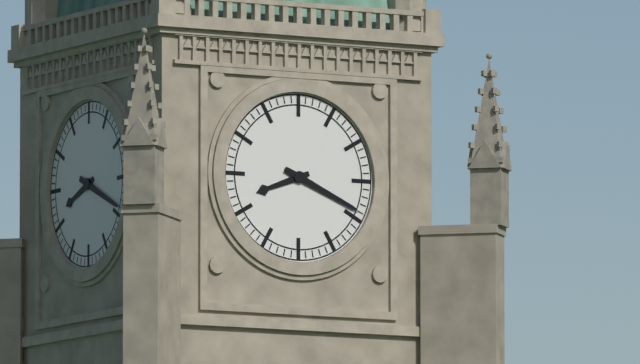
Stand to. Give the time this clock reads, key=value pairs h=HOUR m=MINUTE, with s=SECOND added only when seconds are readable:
h=8 m=19
